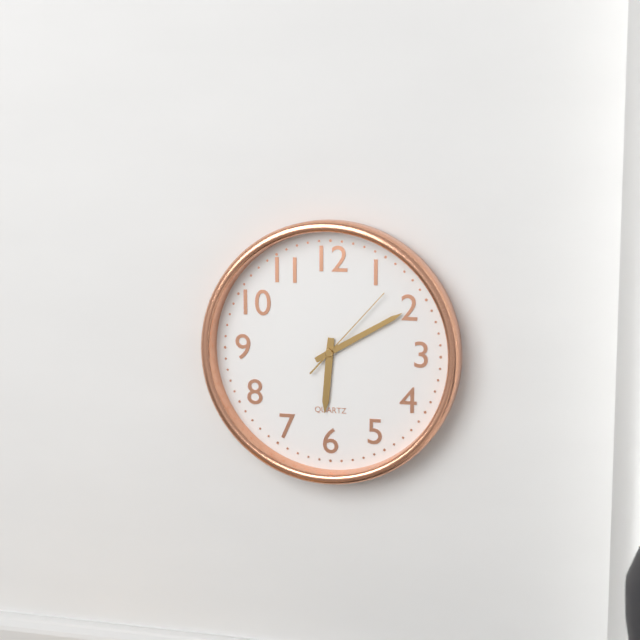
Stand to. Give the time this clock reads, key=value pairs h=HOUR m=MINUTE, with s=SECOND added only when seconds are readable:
h=6 m=10 s=7
